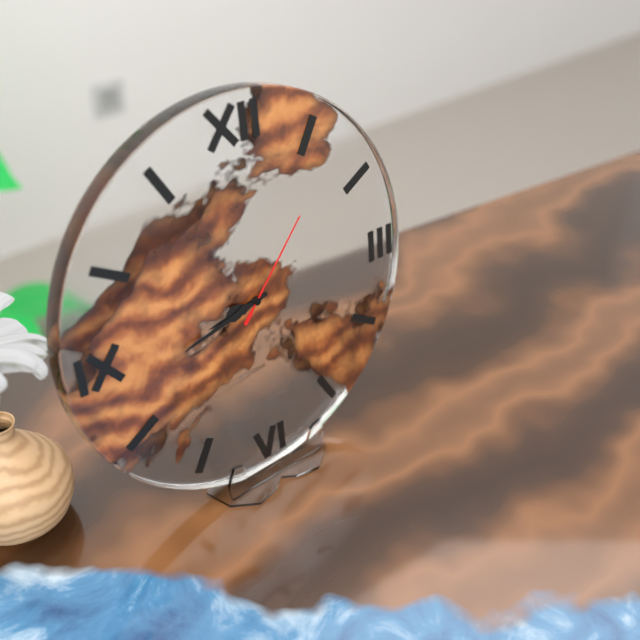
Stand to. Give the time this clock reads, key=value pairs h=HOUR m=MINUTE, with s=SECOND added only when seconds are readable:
h=8 m=43 s=7
